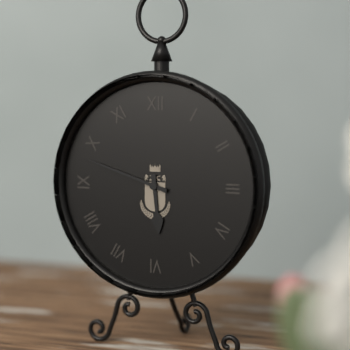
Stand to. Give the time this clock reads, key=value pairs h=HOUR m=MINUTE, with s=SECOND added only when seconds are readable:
h=5 m=48
